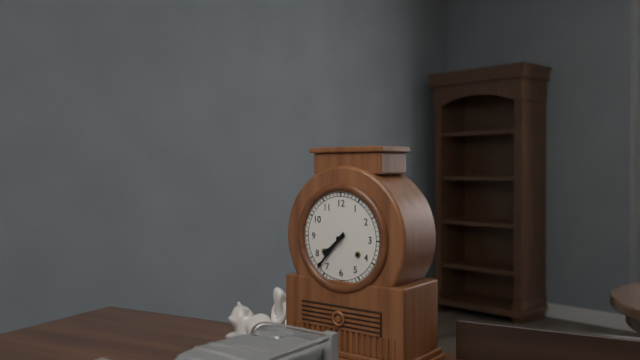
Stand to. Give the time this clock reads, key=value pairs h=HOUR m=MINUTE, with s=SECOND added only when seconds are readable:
h=7 m=37
